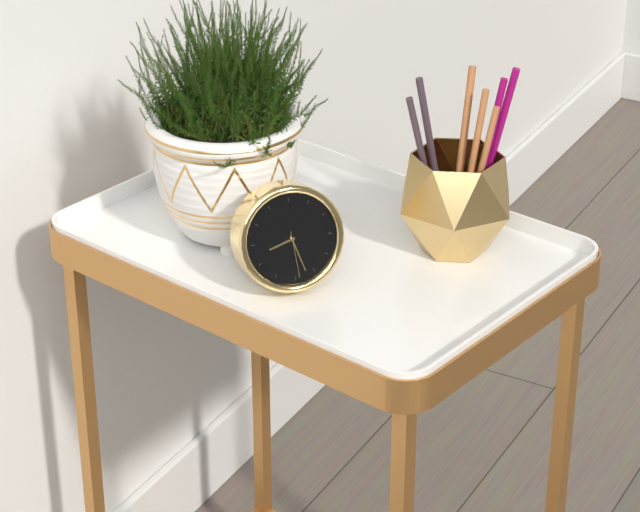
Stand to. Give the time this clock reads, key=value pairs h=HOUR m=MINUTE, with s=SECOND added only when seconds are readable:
h=8 m=27
